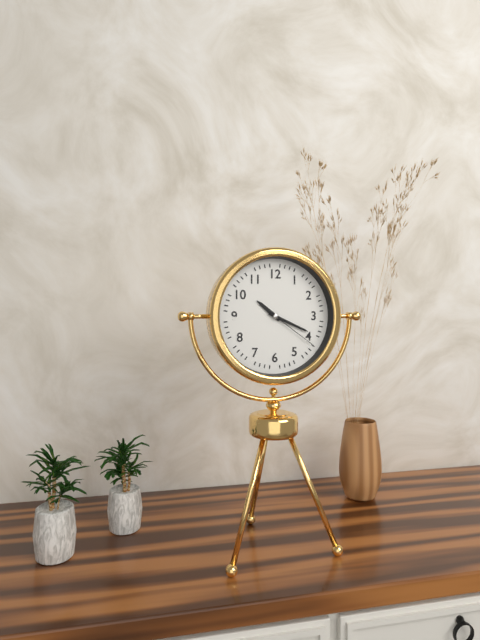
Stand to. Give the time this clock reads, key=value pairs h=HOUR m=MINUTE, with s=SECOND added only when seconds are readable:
h=10 m=19 s=21
